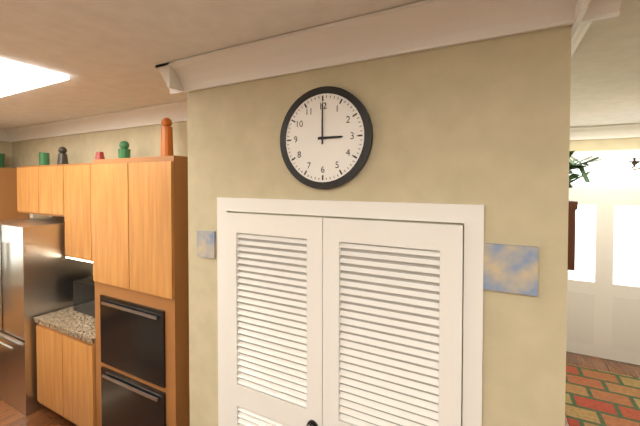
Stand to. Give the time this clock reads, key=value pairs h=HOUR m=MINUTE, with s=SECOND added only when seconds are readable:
h=3 m=0
